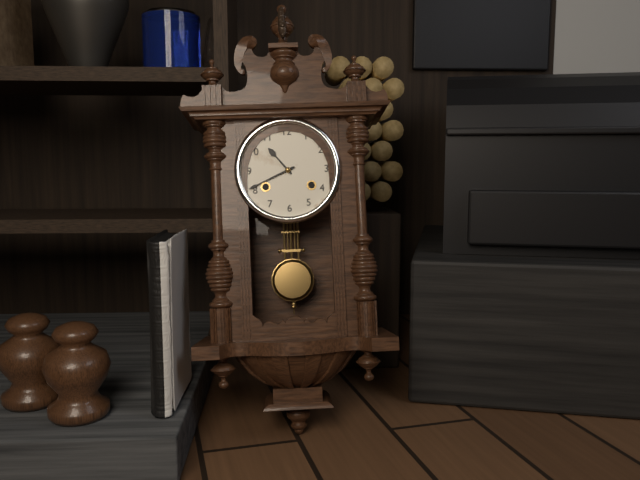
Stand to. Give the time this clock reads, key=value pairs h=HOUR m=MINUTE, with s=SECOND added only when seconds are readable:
h=10 m=41
